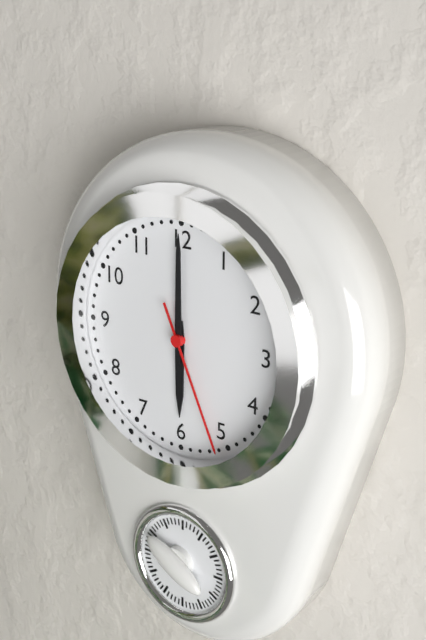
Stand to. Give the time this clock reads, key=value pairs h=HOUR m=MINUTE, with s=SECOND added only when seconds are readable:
h=6 m=0 s=26
